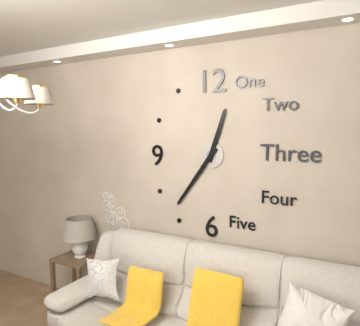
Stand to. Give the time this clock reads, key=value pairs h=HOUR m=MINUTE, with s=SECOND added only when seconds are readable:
h=12 m=36
